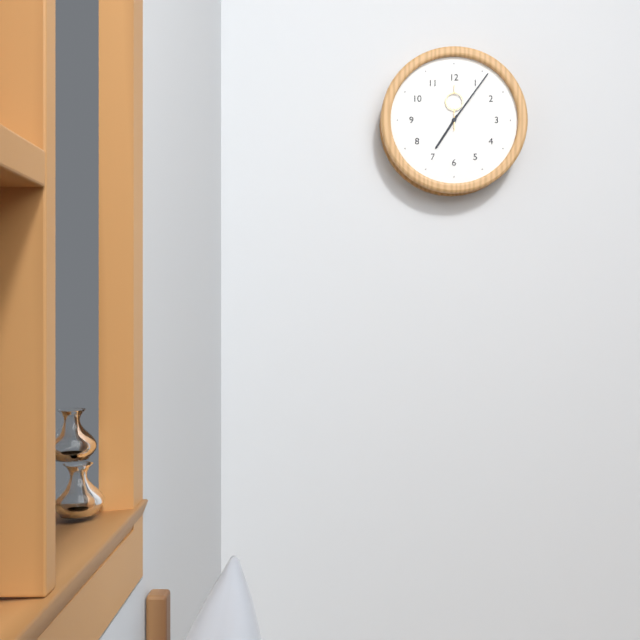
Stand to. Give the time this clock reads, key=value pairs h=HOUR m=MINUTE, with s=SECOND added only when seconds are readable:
h=7 m=6
